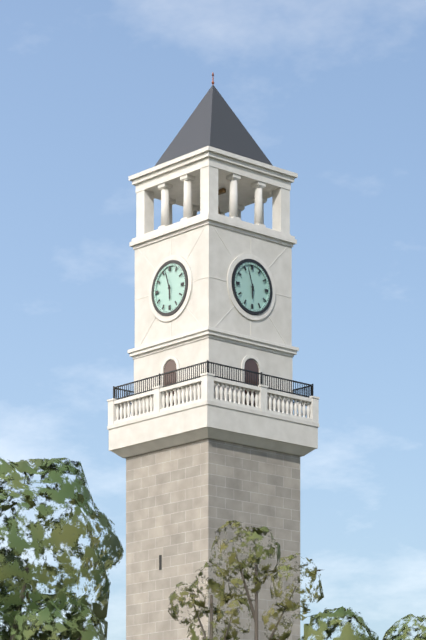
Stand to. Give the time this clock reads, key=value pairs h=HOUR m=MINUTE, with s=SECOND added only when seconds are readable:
h=5 m=57
